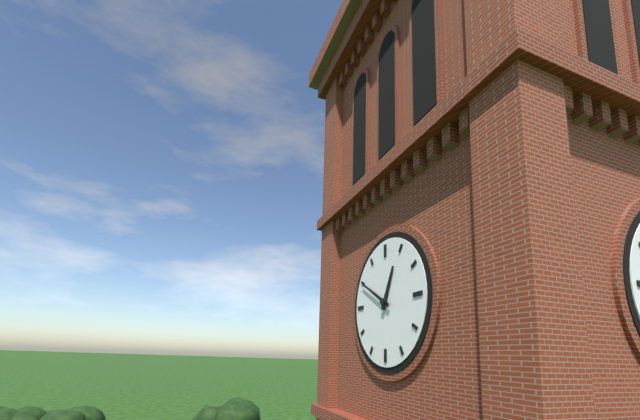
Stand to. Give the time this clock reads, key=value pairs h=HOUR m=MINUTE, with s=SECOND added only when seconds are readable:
h=12 m=50
